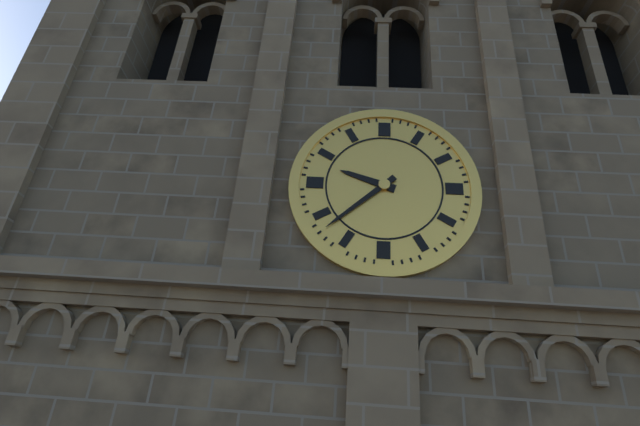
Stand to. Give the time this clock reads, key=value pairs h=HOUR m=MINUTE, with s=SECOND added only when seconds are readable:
h=9 m=38
